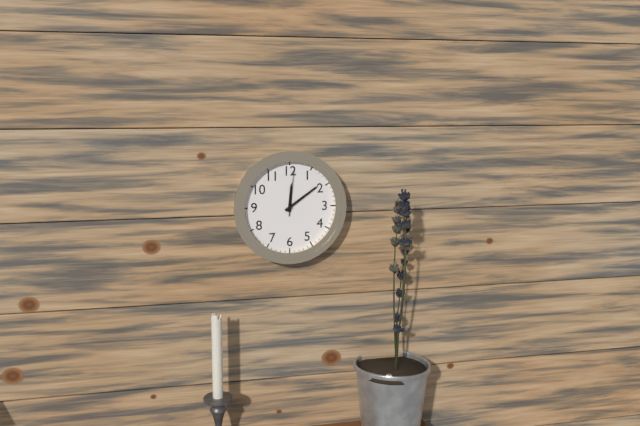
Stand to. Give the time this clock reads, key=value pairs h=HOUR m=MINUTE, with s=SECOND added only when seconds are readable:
h=12 m=9
